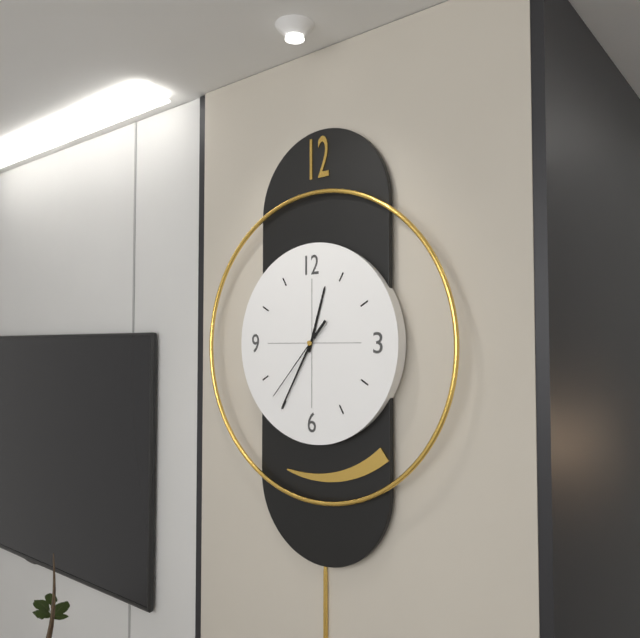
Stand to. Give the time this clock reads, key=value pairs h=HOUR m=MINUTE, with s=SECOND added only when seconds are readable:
h=12 m=35 s=37
